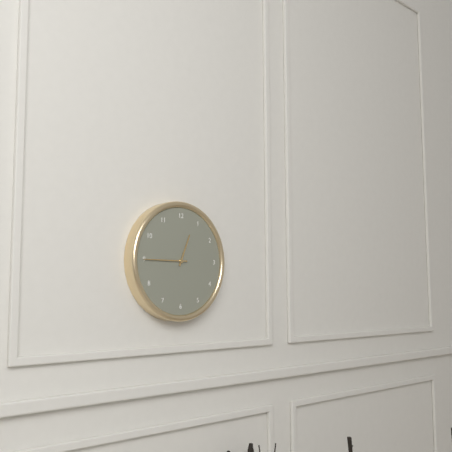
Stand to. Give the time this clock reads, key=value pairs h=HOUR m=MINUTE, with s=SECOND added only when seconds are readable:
h=12 m=45
